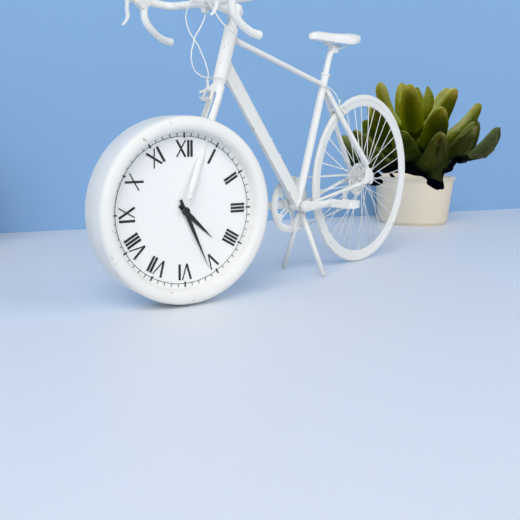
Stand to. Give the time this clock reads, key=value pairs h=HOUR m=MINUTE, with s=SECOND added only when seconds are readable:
h=4 m=26
